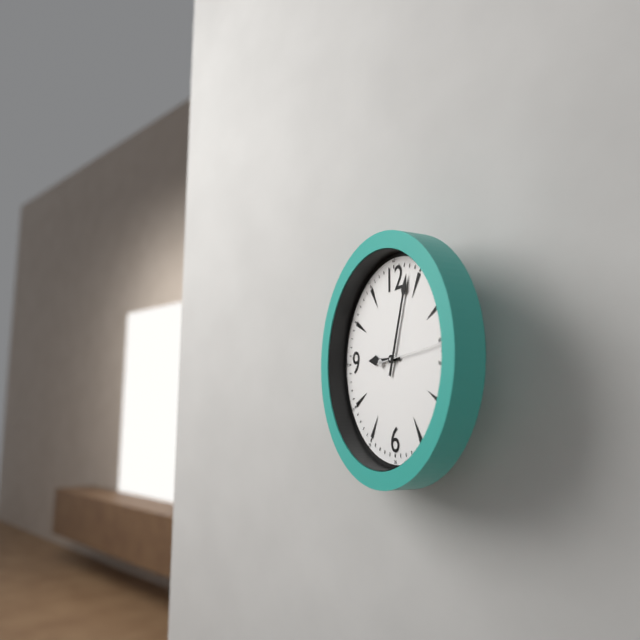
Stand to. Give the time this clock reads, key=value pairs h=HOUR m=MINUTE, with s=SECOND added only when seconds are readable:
h=9 m=3 s=14
